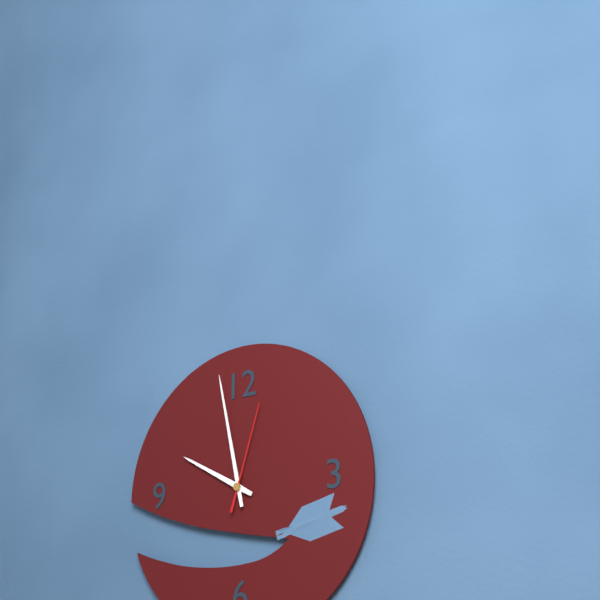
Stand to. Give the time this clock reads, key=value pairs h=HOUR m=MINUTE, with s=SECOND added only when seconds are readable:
h=9 m=58 s=3
